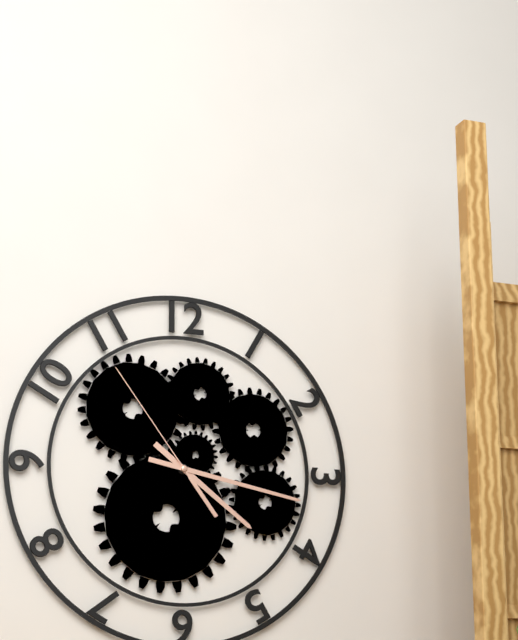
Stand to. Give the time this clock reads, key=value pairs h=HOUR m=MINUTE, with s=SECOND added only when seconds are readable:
h=4 m=17 s=54
